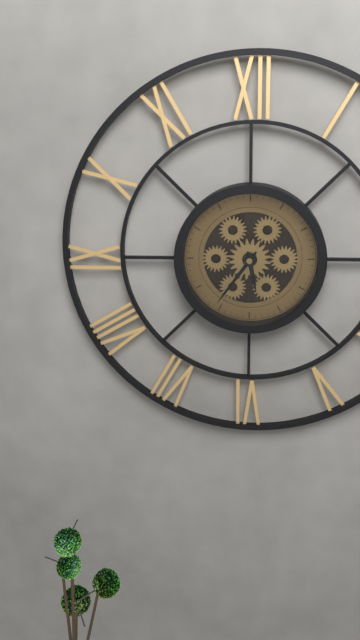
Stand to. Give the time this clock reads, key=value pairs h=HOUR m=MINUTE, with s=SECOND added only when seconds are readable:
h=5 m=36
